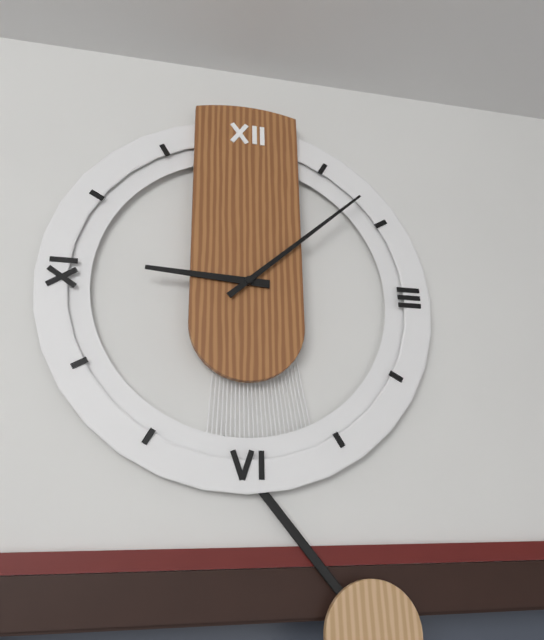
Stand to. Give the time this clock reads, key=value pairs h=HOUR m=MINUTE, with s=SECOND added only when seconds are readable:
h=9 m=8
